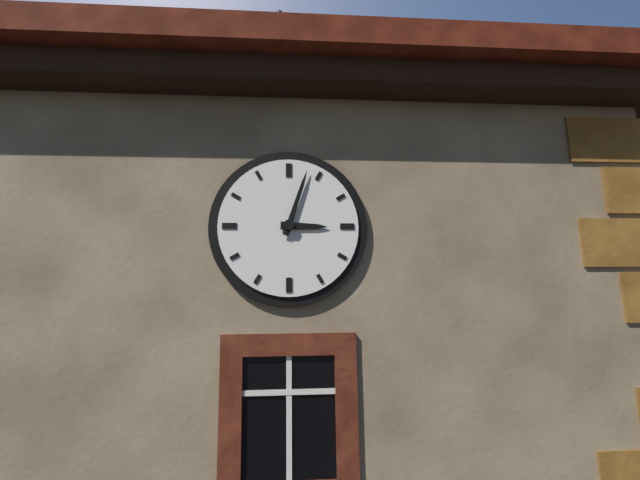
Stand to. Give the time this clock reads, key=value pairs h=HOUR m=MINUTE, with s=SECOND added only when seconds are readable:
h=3 m=3
